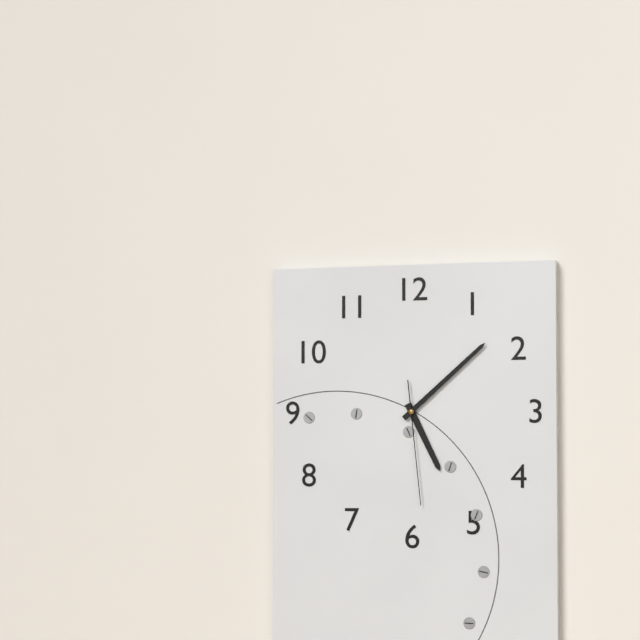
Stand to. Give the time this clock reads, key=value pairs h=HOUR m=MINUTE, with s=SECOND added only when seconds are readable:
h=5 m=8 s=29
